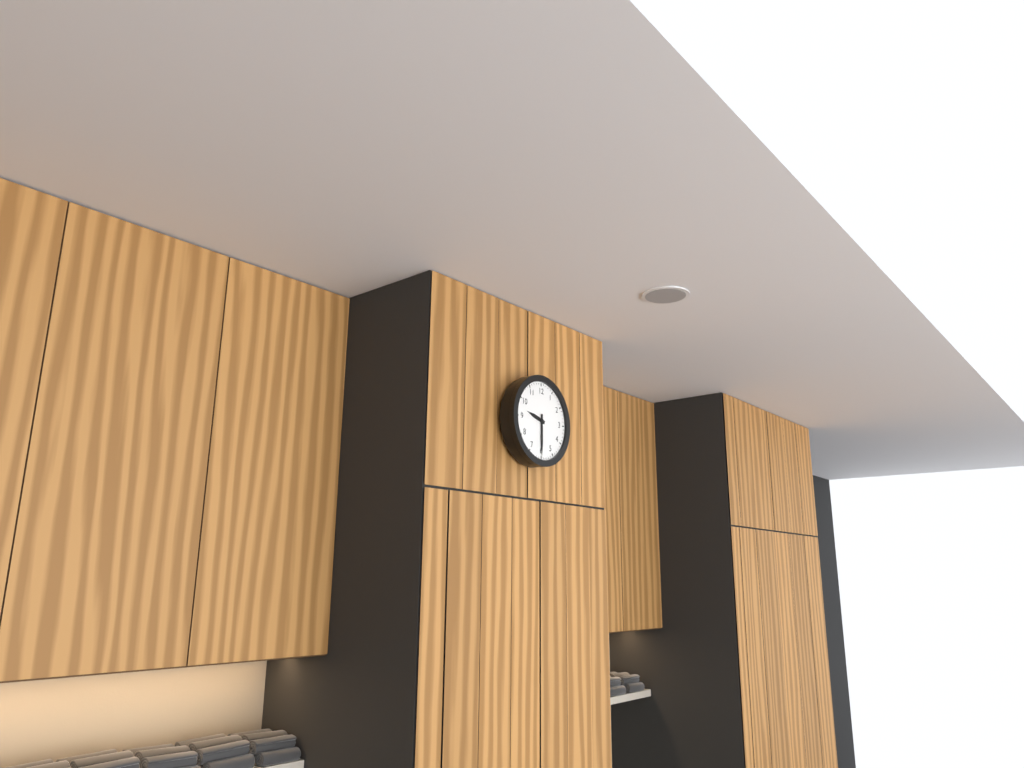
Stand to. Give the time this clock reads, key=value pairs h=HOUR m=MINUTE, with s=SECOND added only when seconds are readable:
h=9 m=30
